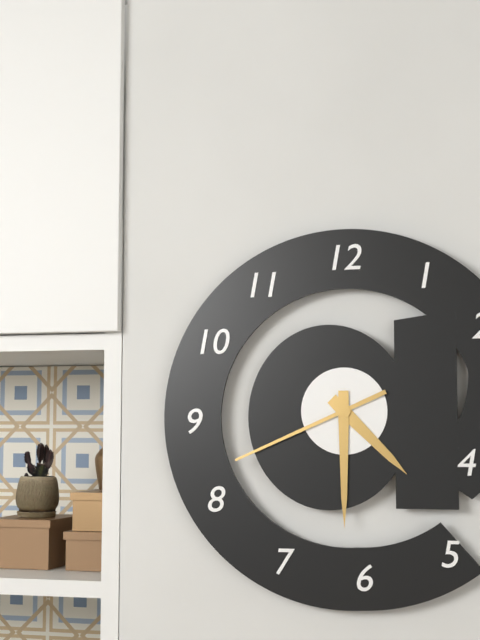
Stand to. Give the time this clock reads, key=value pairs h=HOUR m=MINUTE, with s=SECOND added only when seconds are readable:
h=4 m=30 s=41
